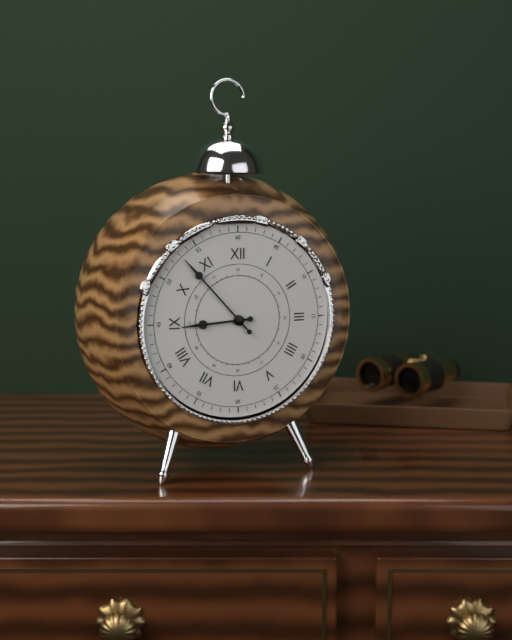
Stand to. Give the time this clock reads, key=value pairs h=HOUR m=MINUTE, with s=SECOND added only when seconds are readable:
h=8 m=53
